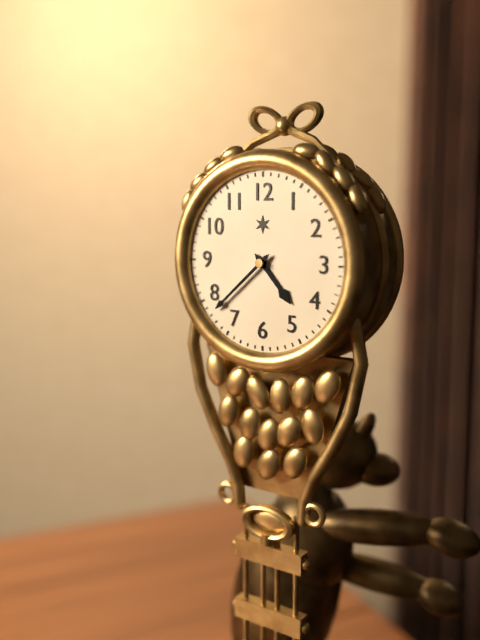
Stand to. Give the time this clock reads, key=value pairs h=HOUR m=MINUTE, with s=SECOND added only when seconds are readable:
h=4 m=38
